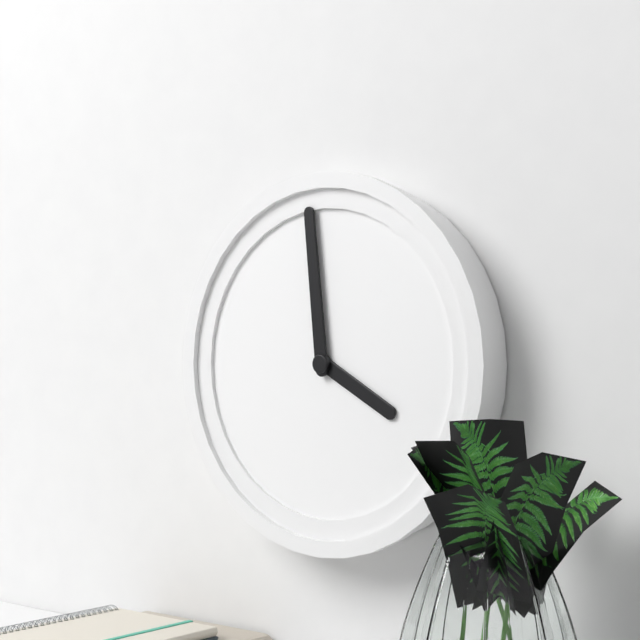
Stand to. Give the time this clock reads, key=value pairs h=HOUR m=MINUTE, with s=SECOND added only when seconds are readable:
h=3 m=59
